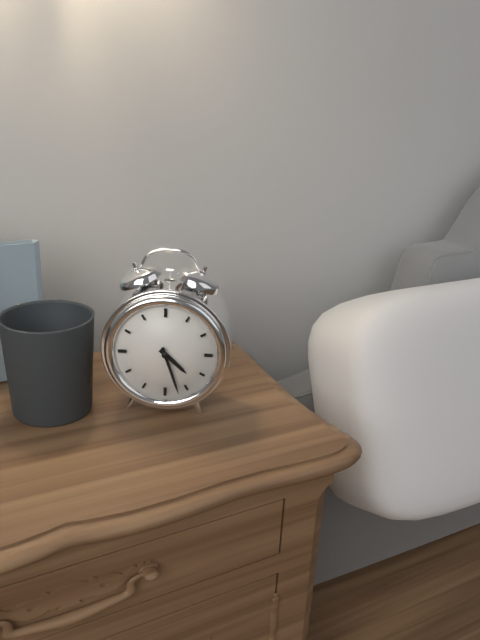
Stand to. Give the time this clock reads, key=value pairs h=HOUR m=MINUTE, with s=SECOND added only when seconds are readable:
h=4 m=27
